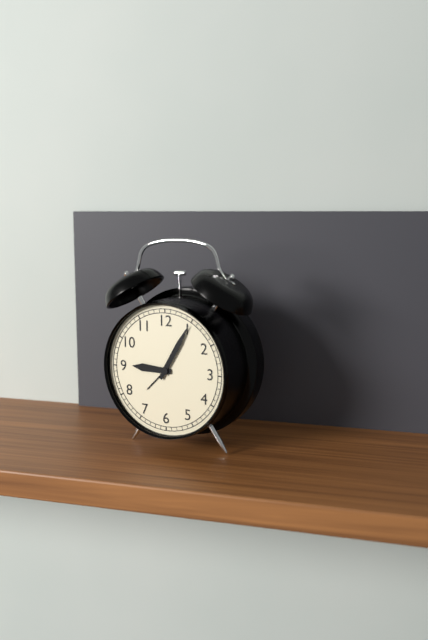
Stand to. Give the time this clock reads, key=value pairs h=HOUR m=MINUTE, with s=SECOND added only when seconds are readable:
h=9 m=5
